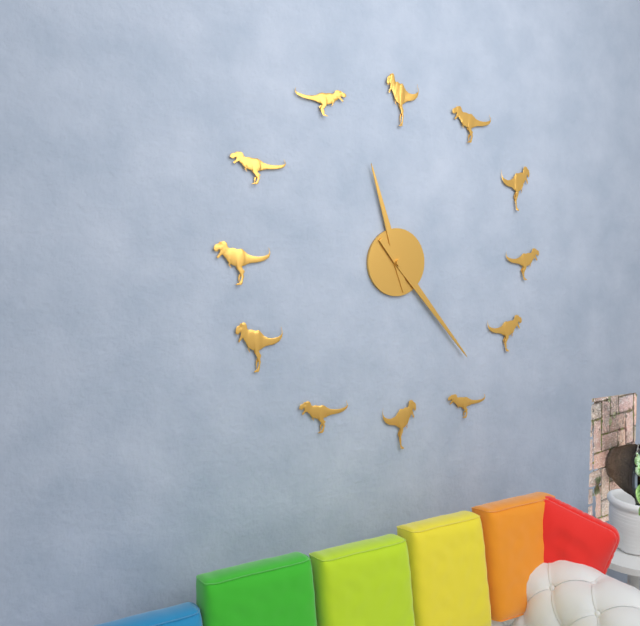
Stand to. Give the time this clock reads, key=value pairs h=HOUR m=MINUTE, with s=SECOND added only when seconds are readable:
h=11 m=23
